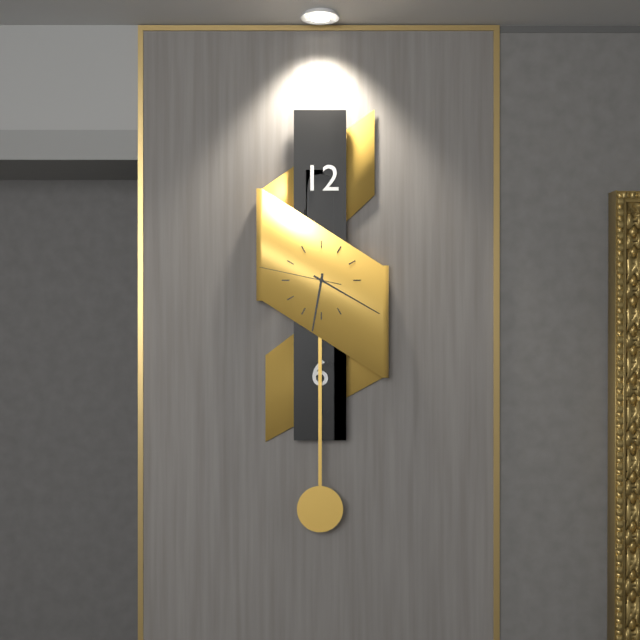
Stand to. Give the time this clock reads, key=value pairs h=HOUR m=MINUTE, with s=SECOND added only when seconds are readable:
h=6 m=20 s=47
